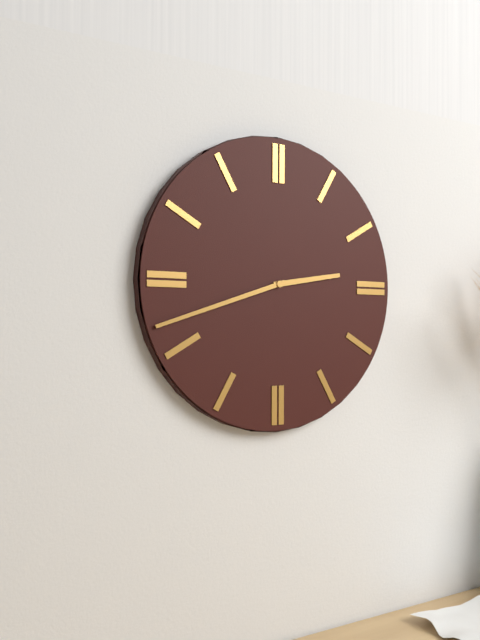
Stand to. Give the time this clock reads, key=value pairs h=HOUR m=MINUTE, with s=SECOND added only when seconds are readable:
h=2 m=42
